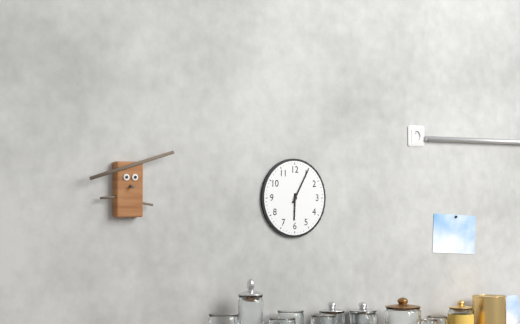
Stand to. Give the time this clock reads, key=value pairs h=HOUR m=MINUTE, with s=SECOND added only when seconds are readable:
h=6 m=5
